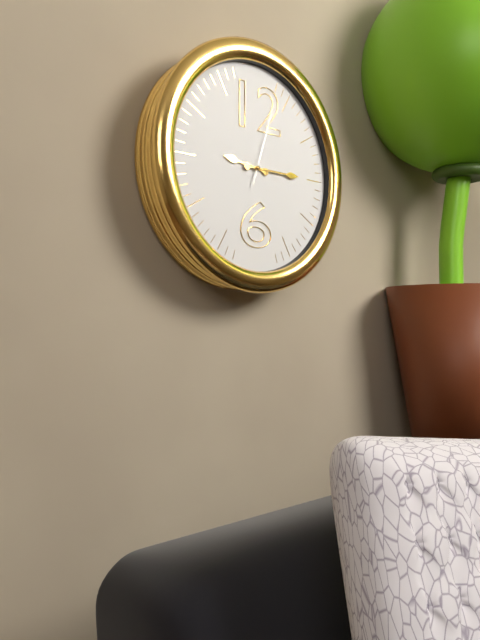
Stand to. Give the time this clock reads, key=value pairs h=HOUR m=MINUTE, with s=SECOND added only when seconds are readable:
h=9 m=15 s=3
